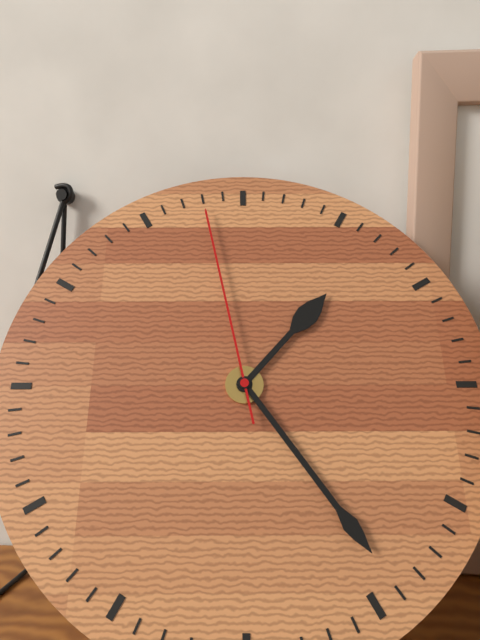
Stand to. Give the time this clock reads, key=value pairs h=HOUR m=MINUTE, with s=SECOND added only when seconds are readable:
h=1 m=24 s=58
